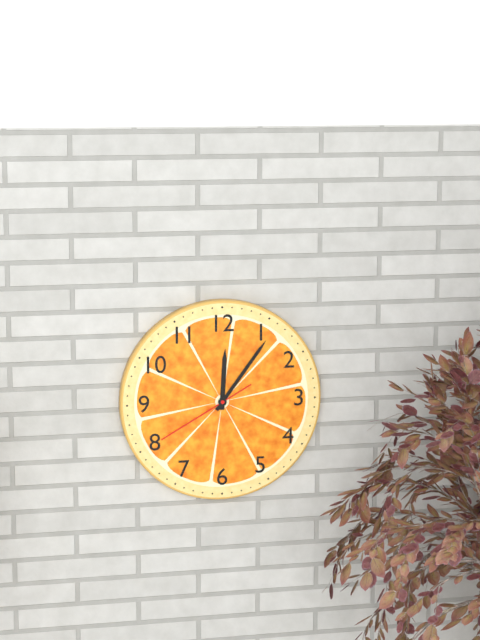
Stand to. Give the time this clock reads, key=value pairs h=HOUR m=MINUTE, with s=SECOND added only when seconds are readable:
h=12 m=6 s=40
